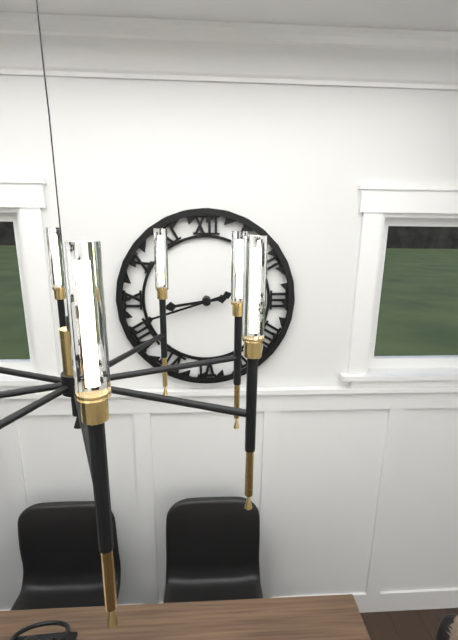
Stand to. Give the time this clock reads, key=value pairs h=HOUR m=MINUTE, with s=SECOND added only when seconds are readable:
h=8 m=42
